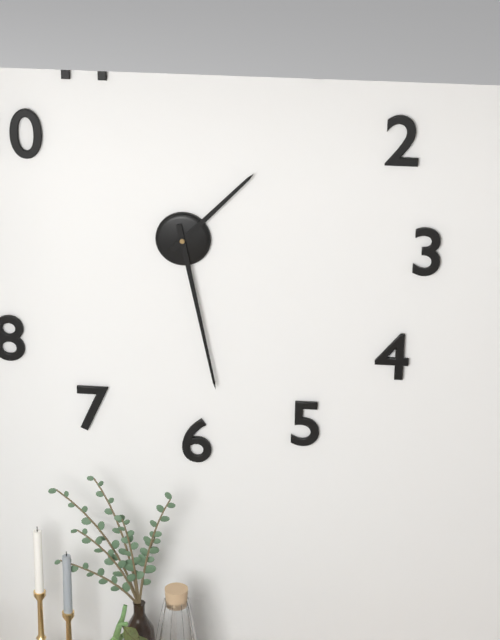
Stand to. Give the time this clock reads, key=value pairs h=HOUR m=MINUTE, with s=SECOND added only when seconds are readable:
h=1 m=28
